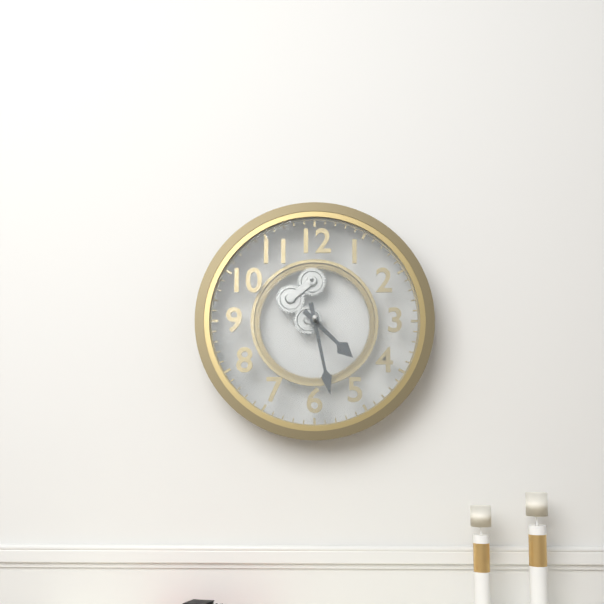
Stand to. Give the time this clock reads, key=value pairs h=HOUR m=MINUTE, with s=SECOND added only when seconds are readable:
h=4 m=28
